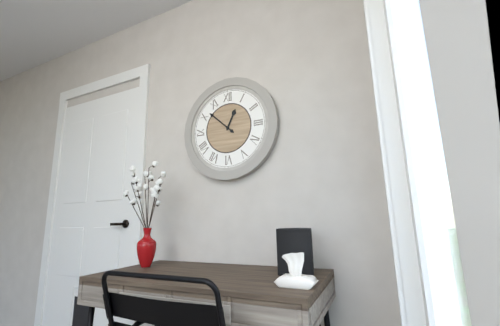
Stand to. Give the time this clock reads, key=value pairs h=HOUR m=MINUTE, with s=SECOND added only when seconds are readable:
h=12 m=52
